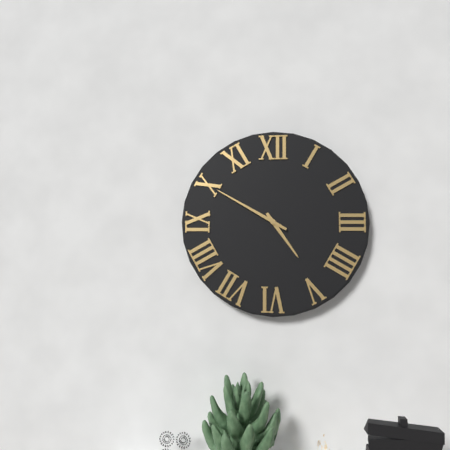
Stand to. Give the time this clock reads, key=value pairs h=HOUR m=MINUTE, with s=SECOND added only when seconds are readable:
h=4 m=50
